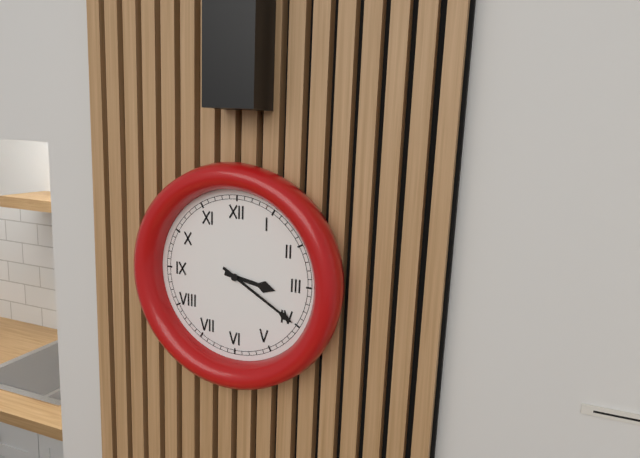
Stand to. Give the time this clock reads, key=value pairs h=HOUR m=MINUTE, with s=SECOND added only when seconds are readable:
h=3 m=20
